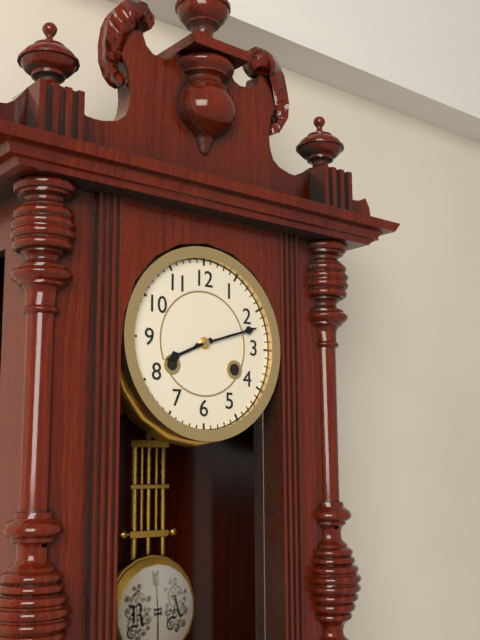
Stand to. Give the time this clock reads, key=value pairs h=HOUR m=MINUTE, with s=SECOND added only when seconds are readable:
h=8 m=12
